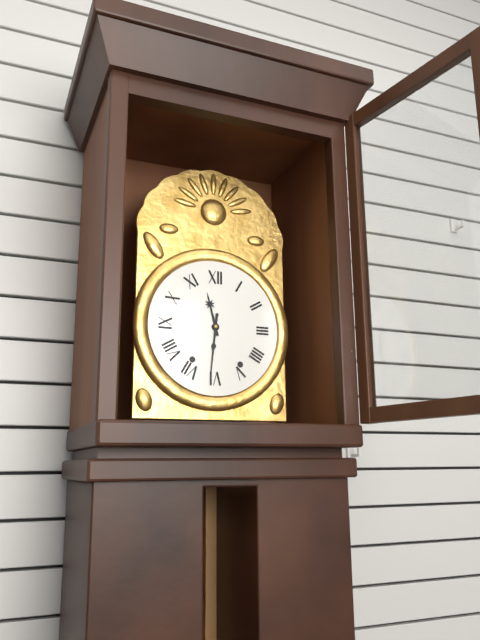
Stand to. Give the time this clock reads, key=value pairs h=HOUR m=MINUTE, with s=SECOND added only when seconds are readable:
h=11 m=31
